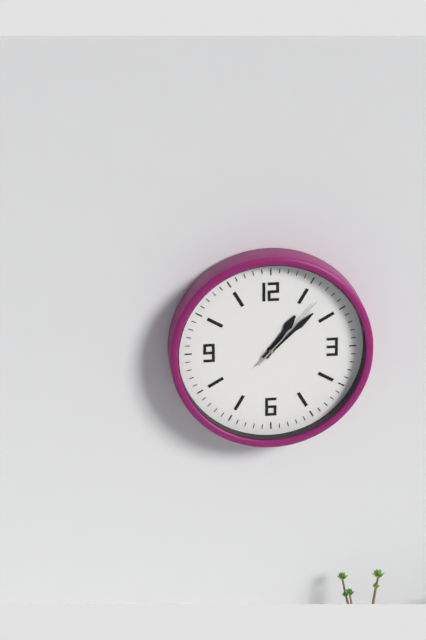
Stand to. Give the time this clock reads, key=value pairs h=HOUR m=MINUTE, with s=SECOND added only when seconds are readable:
h=1 m=8 s=7
